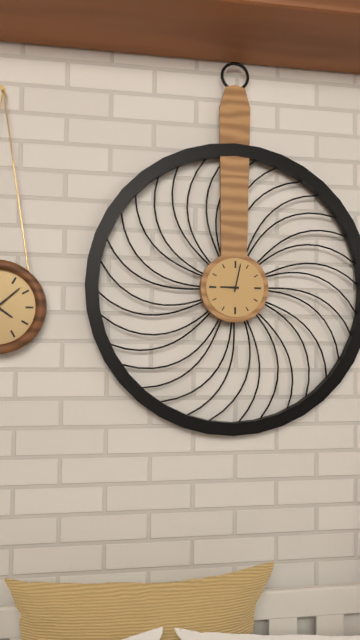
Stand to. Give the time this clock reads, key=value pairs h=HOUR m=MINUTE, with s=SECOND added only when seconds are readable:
h=9 m=2
